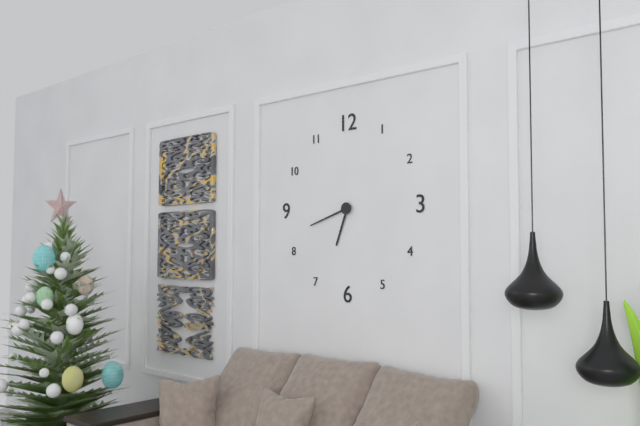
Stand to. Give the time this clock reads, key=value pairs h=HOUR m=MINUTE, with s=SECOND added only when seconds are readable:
h=6 m=42
